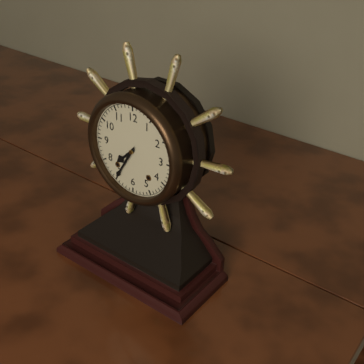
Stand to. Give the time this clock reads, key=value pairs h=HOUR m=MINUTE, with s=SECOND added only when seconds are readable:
h=7 m=35
